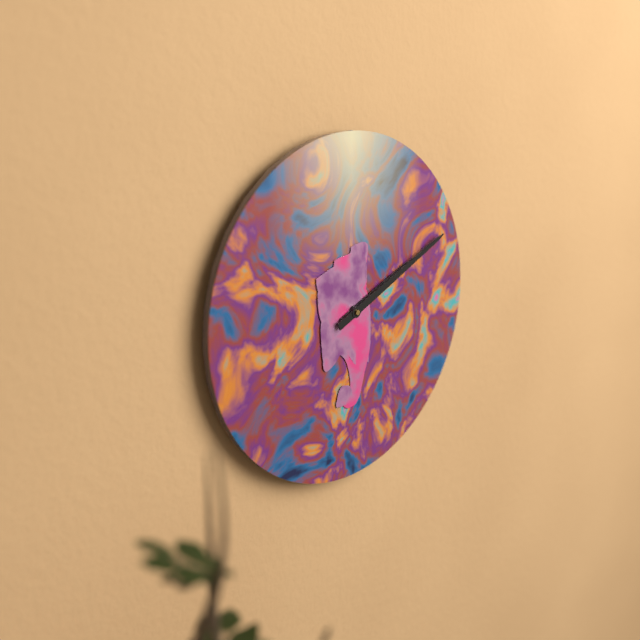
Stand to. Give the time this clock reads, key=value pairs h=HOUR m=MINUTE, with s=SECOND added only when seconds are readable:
h=2 m=11
